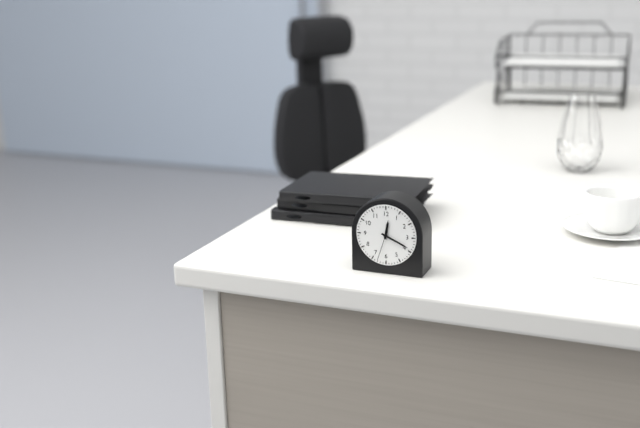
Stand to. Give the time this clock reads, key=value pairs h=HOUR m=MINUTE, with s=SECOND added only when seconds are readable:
h=12 m=19
